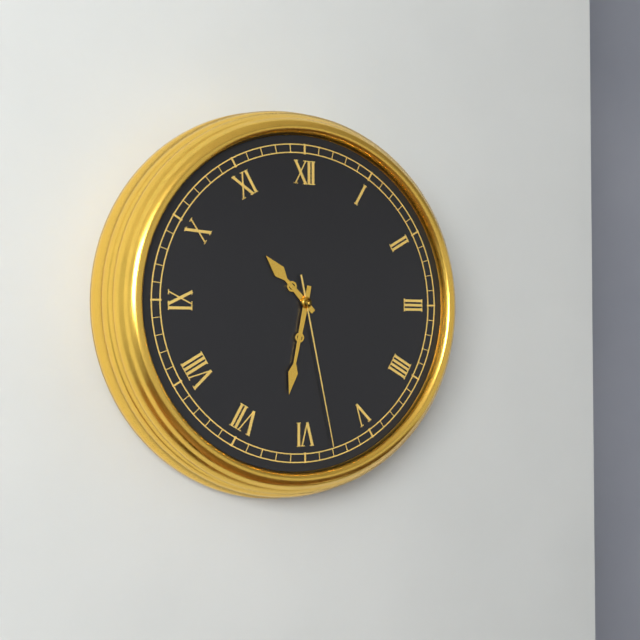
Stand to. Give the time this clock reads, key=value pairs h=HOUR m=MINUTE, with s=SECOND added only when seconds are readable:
h=10 m=32 s=28
